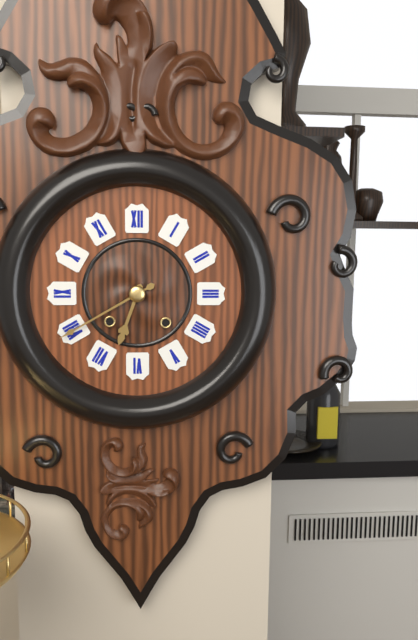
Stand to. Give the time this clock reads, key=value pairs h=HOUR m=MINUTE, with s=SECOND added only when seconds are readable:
h=6 m=40
